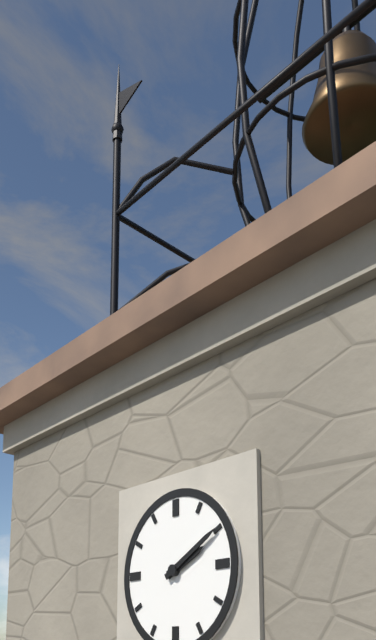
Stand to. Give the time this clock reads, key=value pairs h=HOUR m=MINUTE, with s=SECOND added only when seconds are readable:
h=2 m=10
